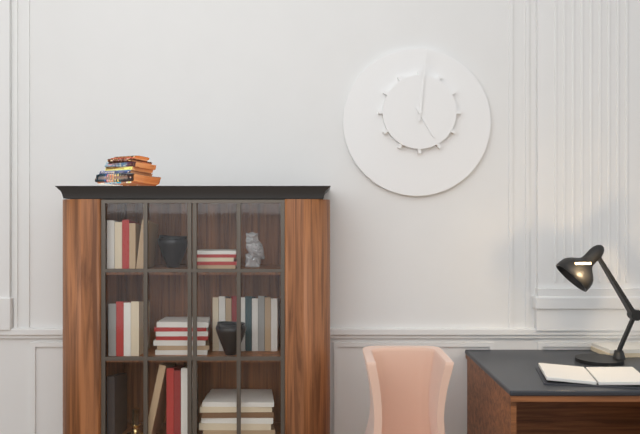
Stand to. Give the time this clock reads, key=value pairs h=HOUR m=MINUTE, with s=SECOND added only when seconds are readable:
h=5 m=1
